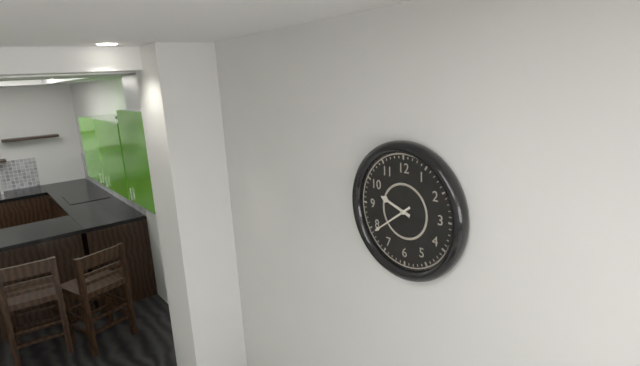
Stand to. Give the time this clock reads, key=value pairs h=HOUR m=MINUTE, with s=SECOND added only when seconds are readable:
h=9 m=39
